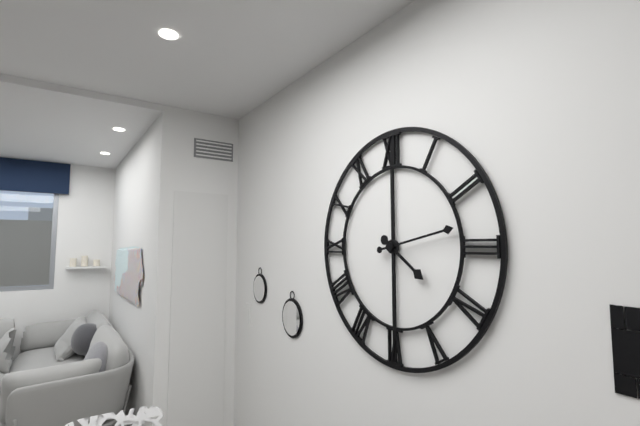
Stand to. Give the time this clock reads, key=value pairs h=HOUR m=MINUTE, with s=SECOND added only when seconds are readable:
h=4 m=13
